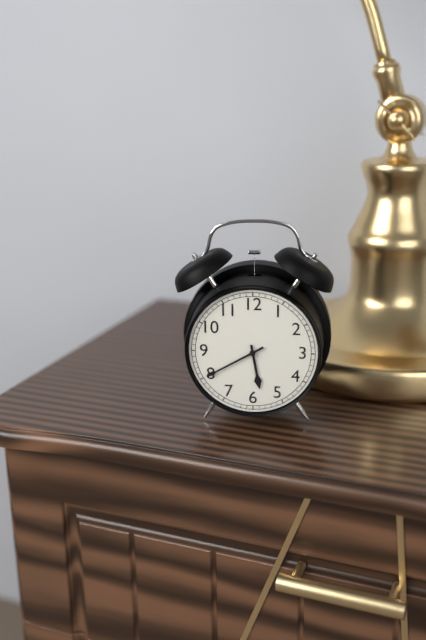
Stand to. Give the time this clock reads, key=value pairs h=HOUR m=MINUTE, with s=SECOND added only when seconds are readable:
h=5 m=40
